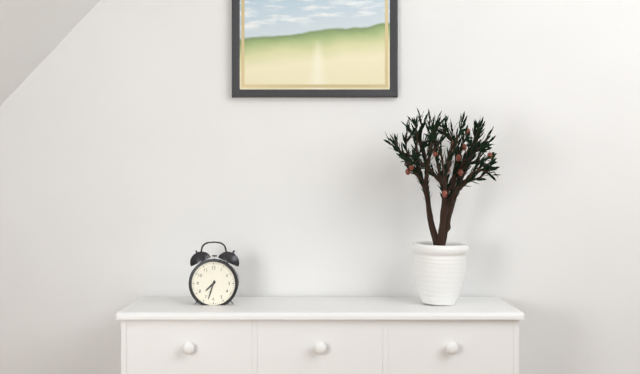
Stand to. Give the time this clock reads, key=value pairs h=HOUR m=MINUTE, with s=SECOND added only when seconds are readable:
h=7 m=33
